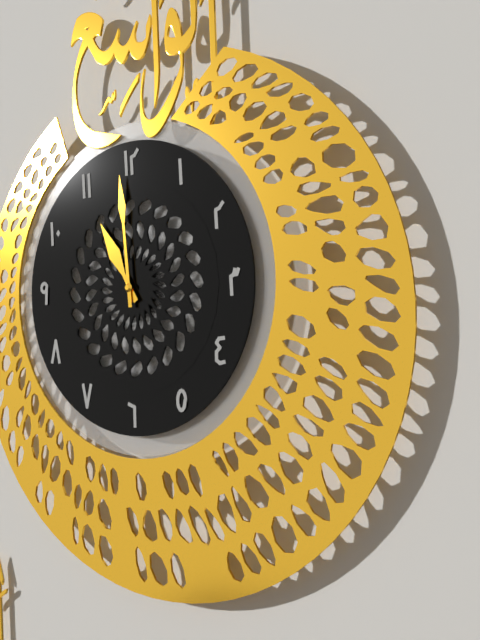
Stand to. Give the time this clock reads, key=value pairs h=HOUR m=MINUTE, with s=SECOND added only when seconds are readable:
h=10 m=59
